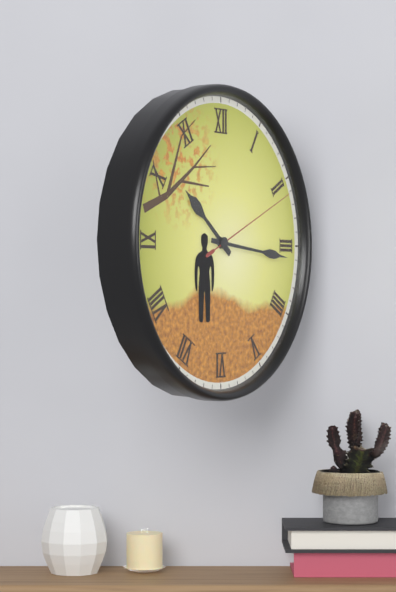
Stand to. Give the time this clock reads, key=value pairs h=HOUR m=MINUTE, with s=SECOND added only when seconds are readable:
h=10 m=16 s=11
